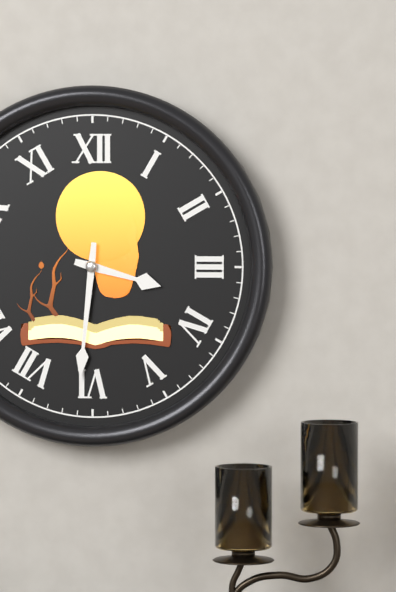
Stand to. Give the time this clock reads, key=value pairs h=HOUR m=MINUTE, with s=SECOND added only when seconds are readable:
h=3 m=31
